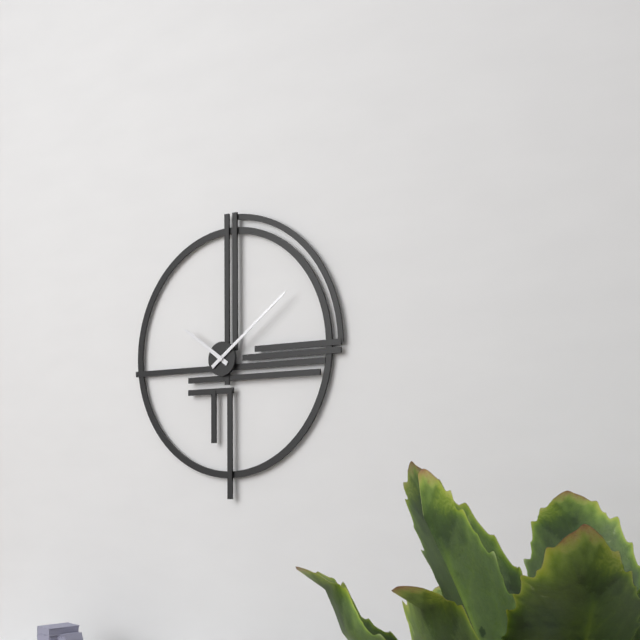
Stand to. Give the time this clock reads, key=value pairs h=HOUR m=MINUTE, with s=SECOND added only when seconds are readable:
h=10 m=9
